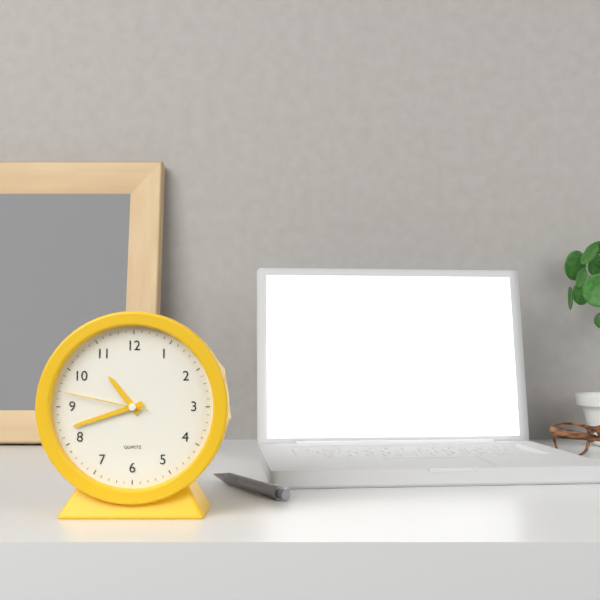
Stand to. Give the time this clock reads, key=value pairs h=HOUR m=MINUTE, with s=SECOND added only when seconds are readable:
h=10 m=42 s=47
